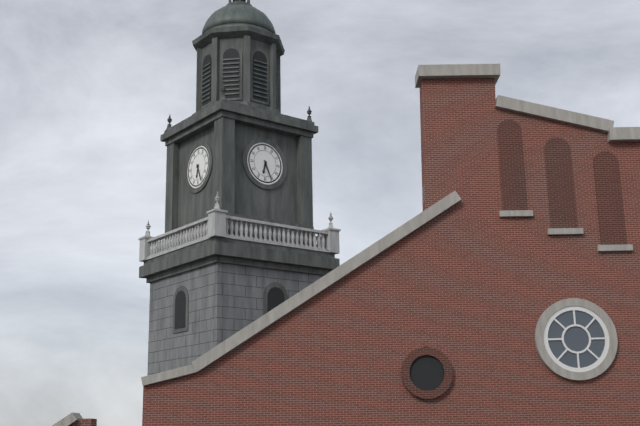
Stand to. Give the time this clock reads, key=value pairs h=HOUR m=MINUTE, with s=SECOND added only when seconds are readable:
h=6 m=26
